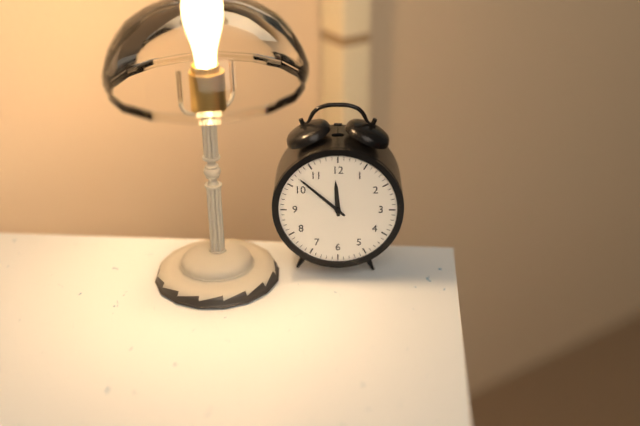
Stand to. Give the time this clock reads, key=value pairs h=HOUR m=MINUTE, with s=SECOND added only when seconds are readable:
h=11 m=52
